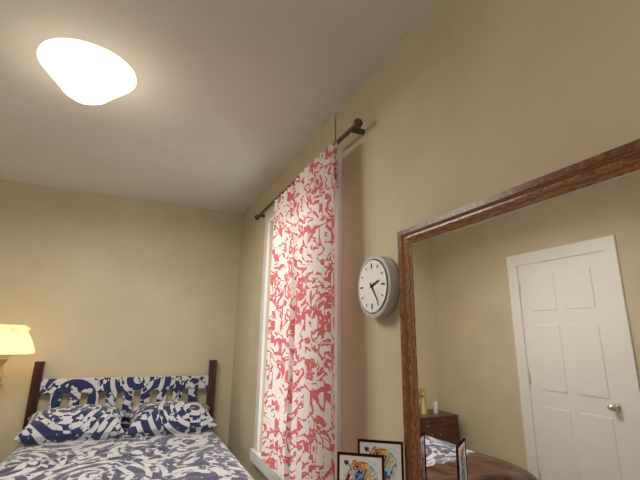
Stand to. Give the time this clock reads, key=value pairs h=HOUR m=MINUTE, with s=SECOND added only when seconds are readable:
h=2 m=24
